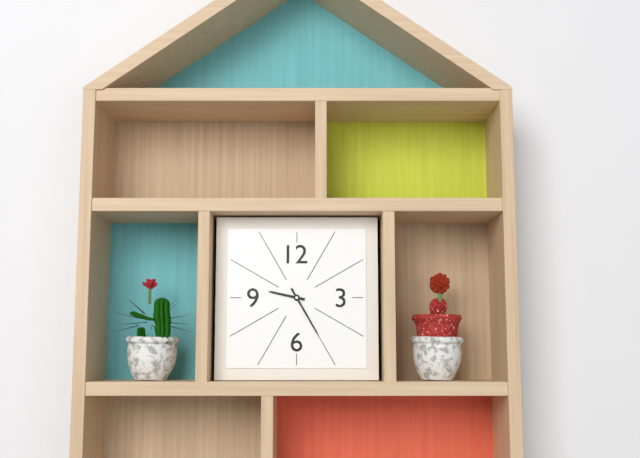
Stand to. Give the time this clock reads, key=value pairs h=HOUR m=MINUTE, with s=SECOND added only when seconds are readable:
h=9 m=25
